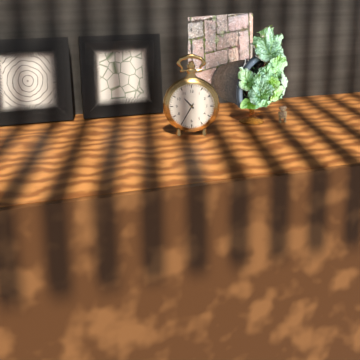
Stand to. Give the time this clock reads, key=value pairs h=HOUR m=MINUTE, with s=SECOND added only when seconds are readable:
h=10 m=35
